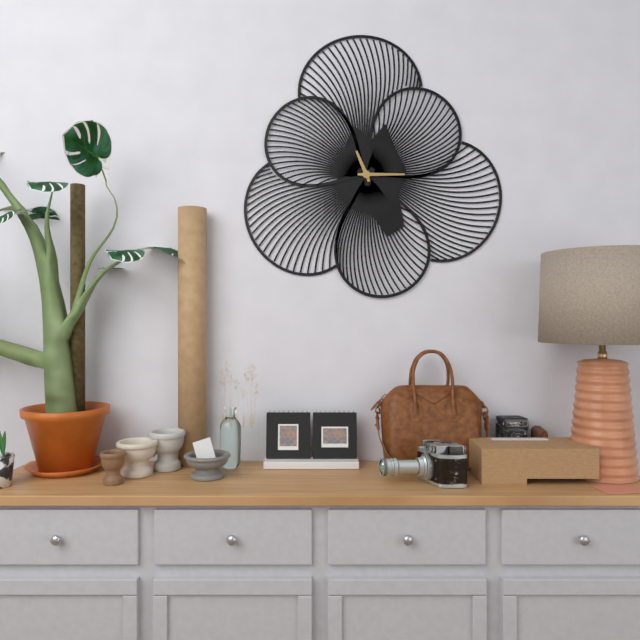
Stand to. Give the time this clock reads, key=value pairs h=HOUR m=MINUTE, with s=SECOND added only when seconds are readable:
h=11 m=15
